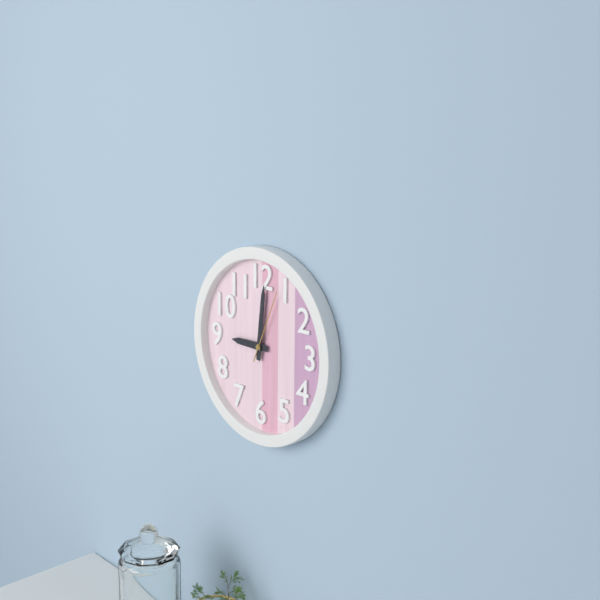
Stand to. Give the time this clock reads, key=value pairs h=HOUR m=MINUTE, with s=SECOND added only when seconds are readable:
h=9 m=1 s=4
